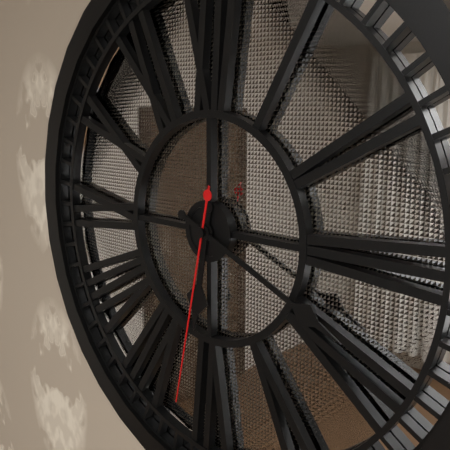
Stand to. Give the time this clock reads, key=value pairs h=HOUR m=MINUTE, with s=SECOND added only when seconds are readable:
h=6 m=19 s=32
